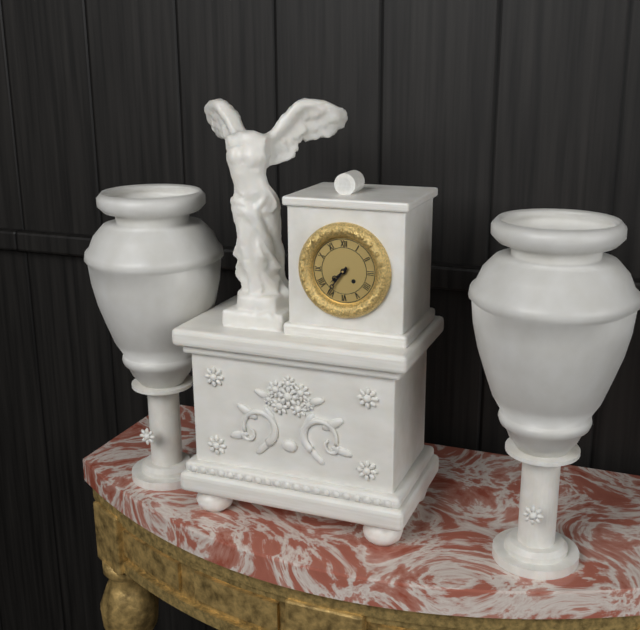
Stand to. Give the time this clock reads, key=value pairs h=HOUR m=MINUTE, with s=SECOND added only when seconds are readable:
h=7 m=36
